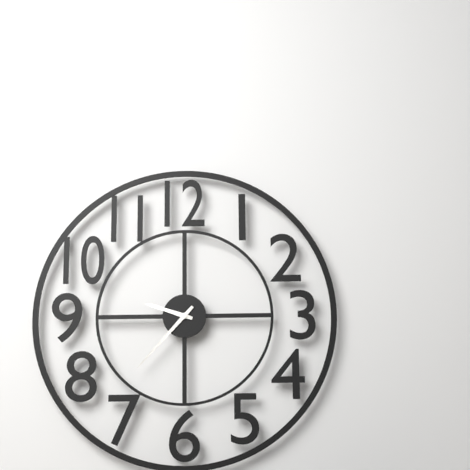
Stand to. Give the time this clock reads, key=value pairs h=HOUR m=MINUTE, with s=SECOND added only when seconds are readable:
h=9 m=37
